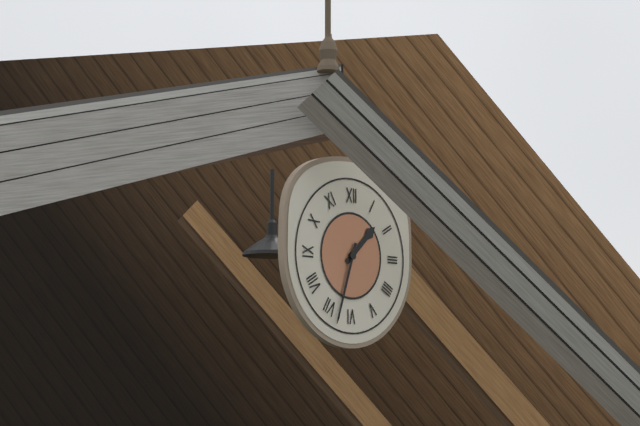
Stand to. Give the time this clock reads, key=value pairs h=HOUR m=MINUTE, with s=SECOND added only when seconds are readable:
h=1 m=33
